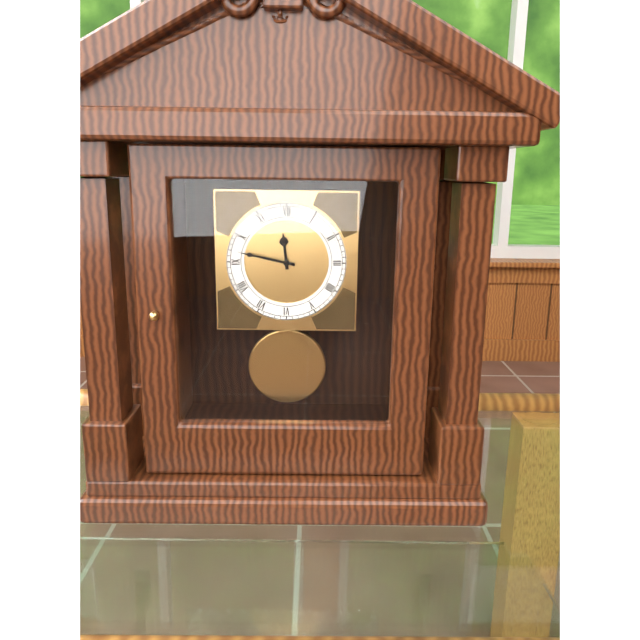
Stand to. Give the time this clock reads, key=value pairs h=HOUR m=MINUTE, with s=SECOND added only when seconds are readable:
h=11 m=47
